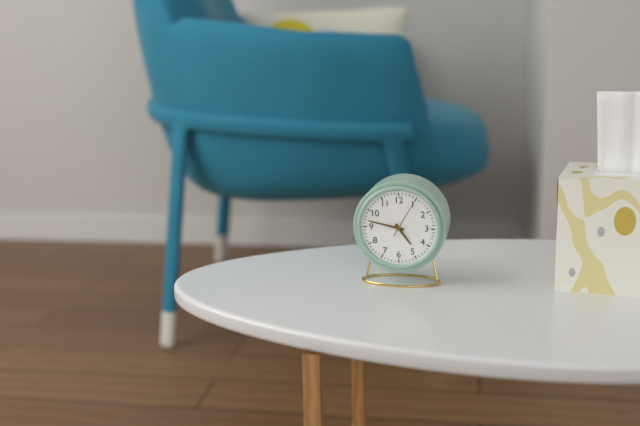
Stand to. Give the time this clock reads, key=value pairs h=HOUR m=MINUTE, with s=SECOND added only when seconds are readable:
h=4 m=47
